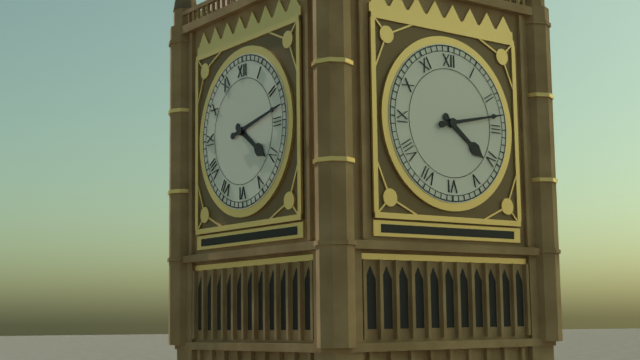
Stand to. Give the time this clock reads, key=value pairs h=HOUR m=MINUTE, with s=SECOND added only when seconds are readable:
h=4 m=13
